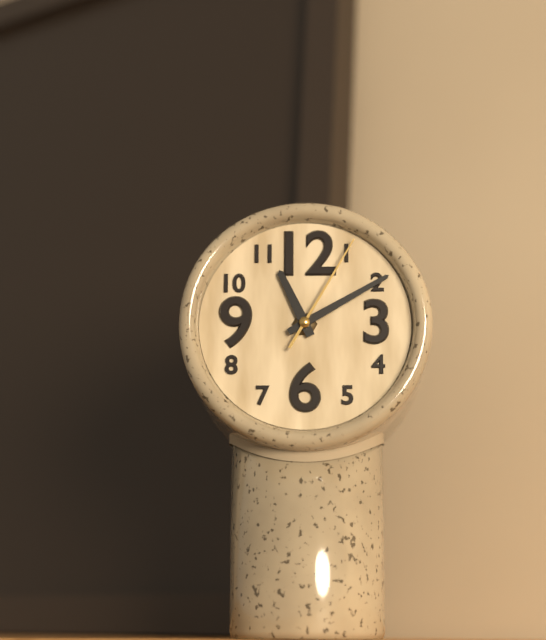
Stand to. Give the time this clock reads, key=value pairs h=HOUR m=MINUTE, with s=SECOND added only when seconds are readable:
h=11 m=10 s=5
